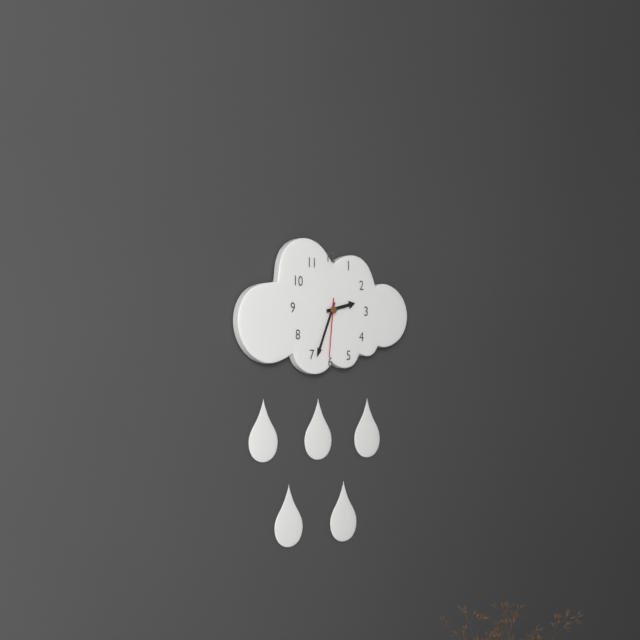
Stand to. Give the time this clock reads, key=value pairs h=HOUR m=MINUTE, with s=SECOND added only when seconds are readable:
h=2 m=34 s=31
